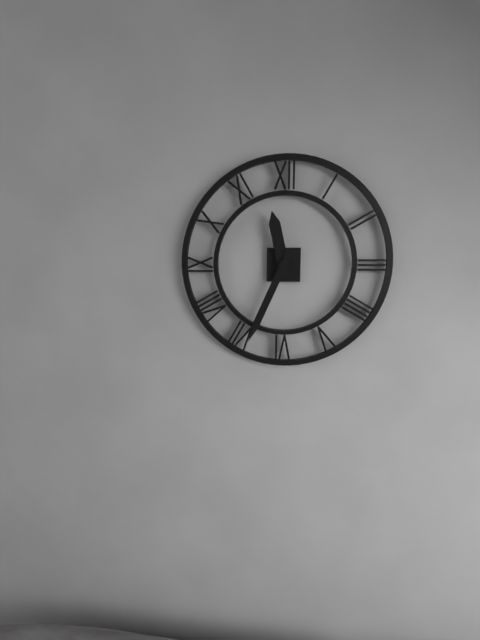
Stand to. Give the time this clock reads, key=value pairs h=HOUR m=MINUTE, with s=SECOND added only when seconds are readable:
h=11 m=34
